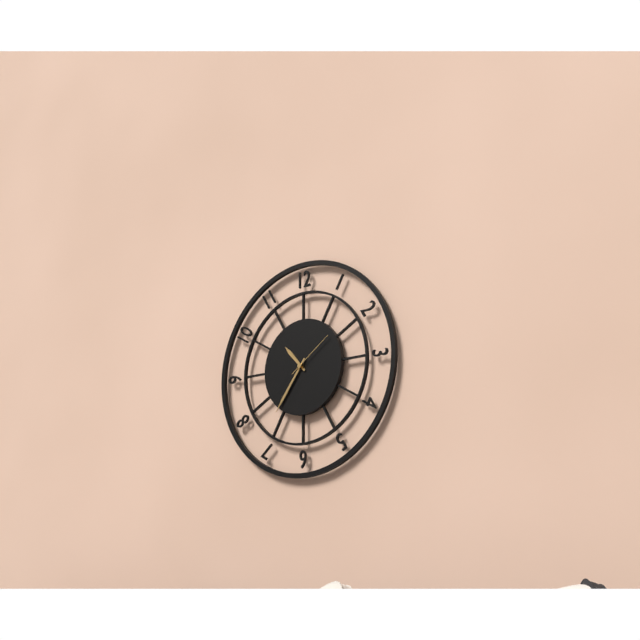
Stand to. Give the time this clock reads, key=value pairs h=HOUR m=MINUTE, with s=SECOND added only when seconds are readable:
h=10 m=36
